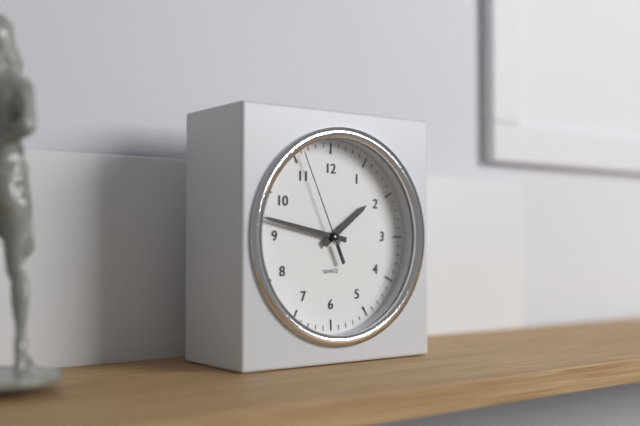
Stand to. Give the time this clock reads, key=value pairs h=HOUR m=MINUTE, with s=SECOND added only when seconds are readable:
h=1 m=47 s=56
